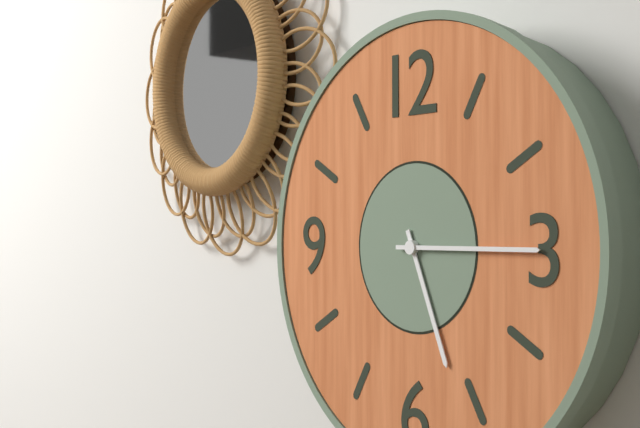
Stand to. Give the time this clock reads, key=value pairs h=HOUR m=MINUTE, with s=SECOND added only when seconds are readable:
h=5 m=15
